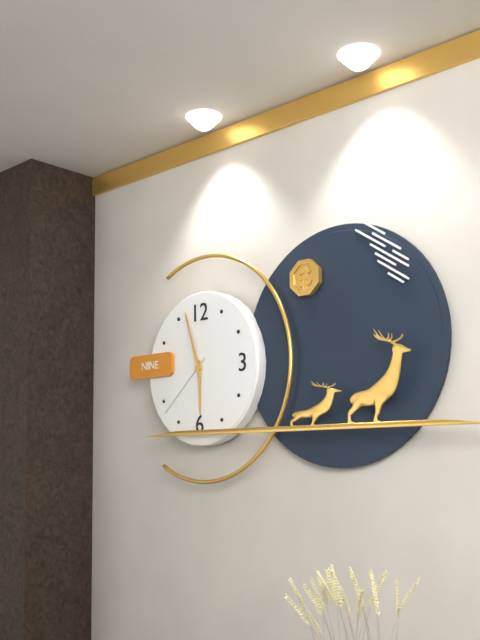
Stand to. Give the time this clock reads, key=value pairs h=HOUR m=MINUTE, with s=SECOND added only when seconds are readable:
h=5 m=57 s=38
